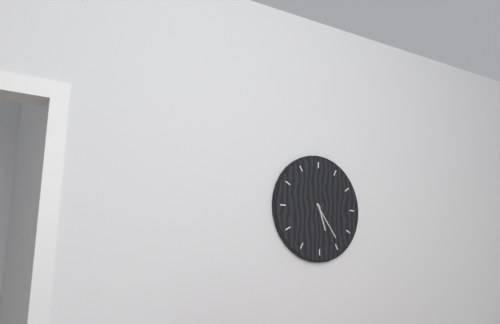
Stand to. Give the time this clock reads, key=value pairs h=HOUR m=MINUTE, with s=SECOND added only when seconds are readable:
h=5 m=24
